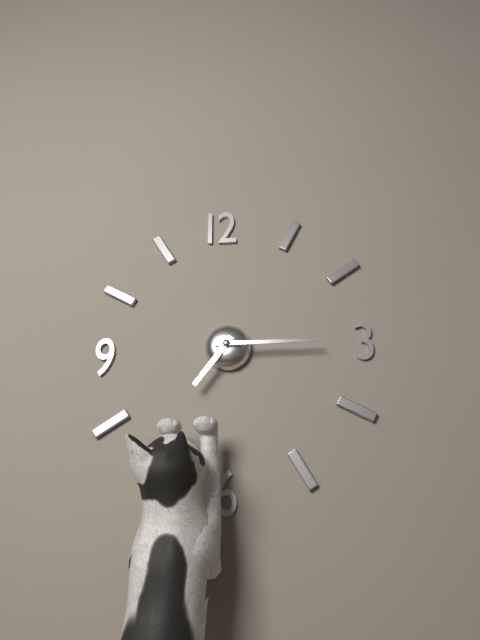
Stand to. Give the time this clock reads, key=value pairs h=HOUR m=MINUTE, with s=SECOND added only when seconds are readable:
h=7 m=15
